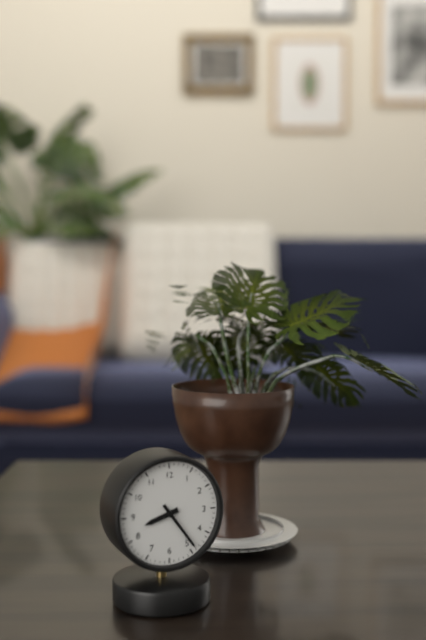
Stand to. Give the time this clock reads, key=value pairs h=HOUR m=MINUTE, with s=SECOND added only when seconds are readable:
h=8 m=24
